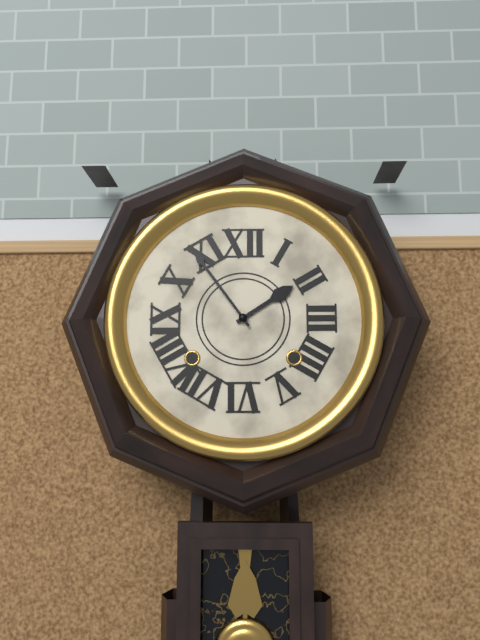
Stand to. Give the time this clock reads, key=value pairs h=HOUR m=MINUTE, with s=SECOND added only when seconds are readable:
h=1 m=54
